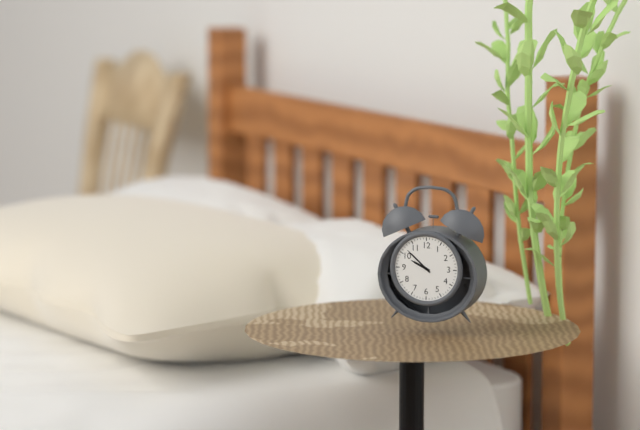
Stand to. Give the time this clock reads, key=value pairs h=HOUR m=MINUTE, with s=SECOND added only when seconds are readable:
h=9 m=52
